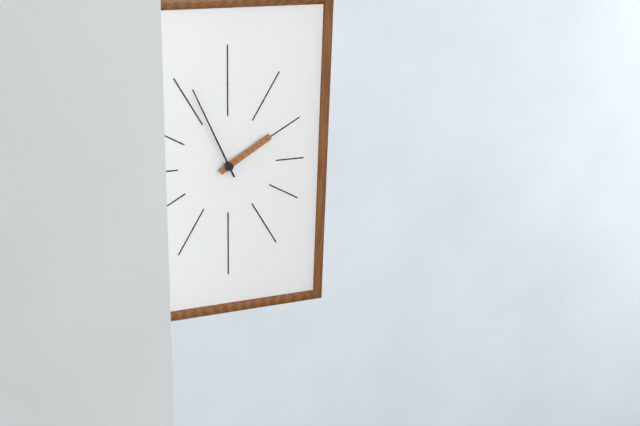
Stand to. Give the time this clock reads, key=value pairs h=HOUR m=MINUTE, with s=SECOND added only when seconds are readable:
h=1 m=56
